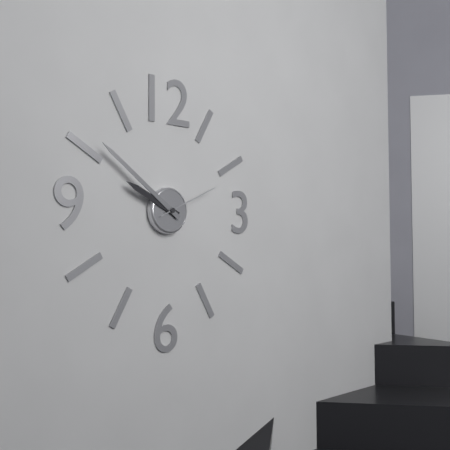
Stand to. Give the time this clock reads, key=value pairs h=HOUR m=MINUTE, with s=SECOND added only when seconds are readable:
h=9 m=51 s=11
